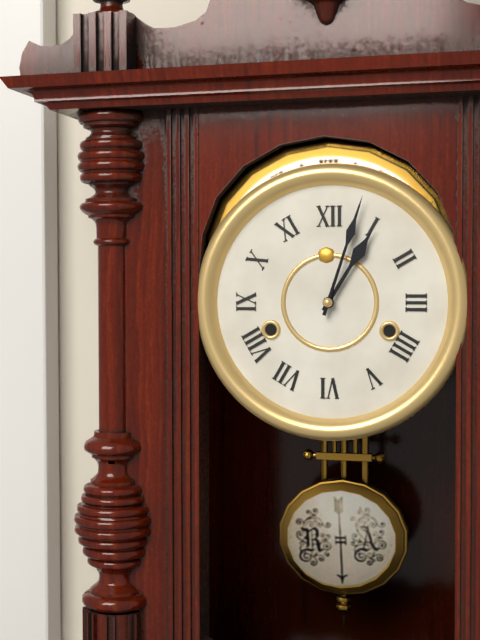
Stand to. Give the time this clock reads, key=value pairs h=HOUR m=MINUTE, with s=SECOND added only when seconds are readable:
h=1 m=3
